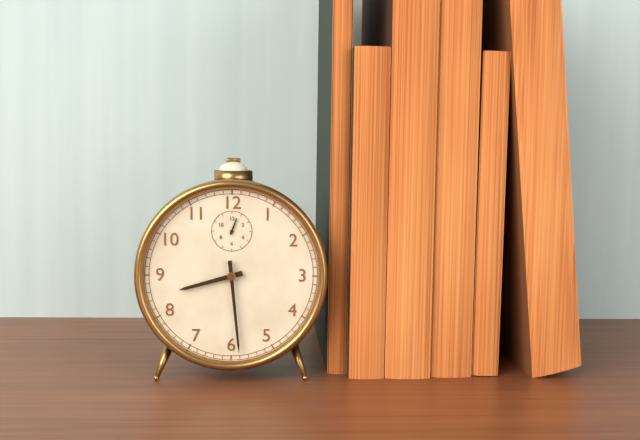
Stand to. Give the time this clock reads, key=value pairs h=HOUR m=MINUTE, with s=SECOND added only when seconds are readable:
h=8 m=29
